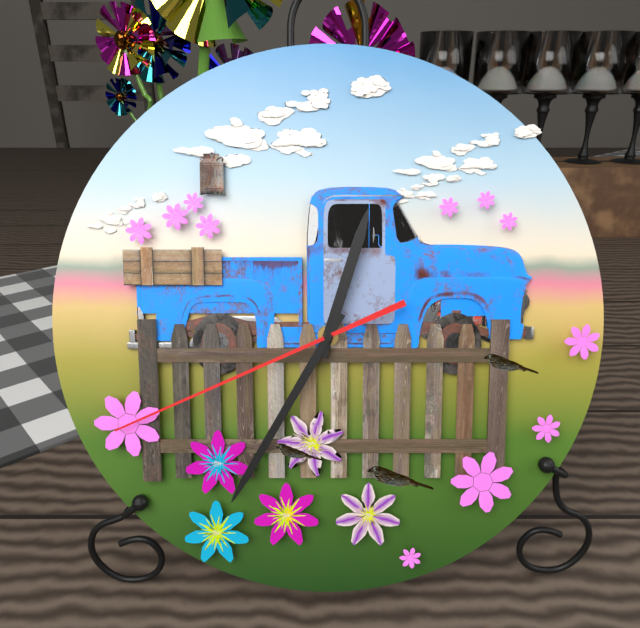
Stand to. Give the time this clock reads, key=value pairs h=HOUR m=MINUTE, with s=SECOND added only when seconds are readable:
h=12 m=35 s=41
